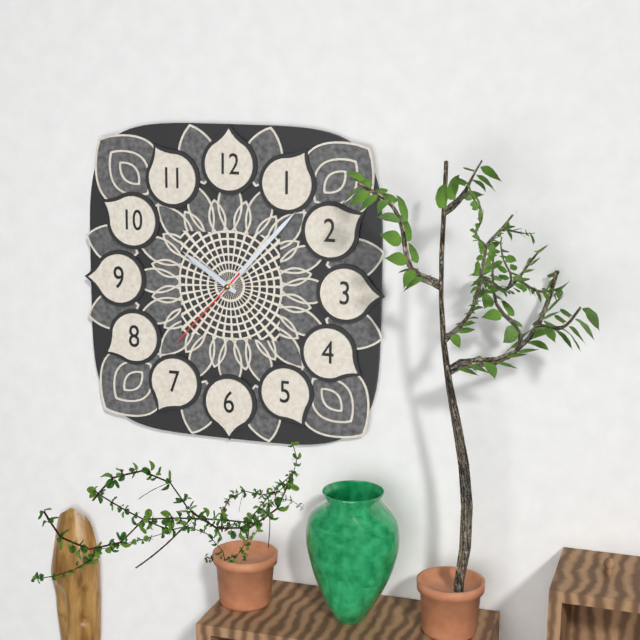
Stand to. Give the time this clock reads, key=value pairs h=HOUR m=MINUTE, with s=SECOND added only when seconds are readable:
h=10 m=7 s=37
